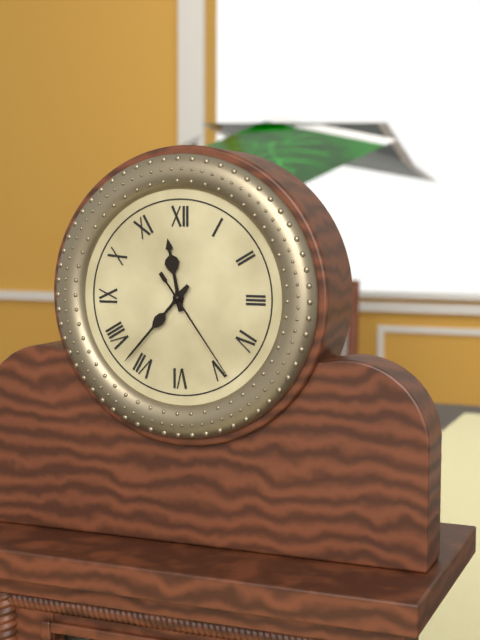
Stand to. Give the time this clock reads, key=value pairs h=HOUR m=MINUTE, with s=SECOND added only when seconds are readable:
h=11 m=37 s=24
